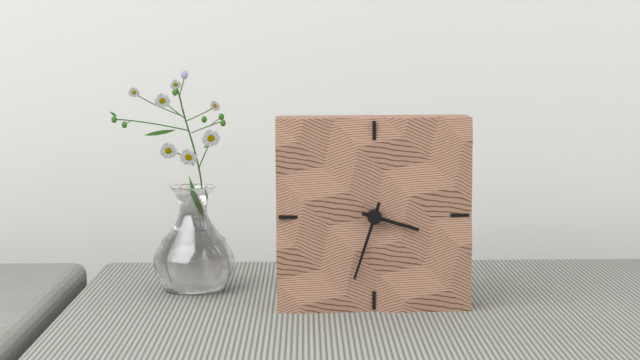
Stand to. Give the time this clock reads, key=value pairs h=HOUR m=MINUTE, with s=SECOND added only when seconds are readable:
h=3 m=33
